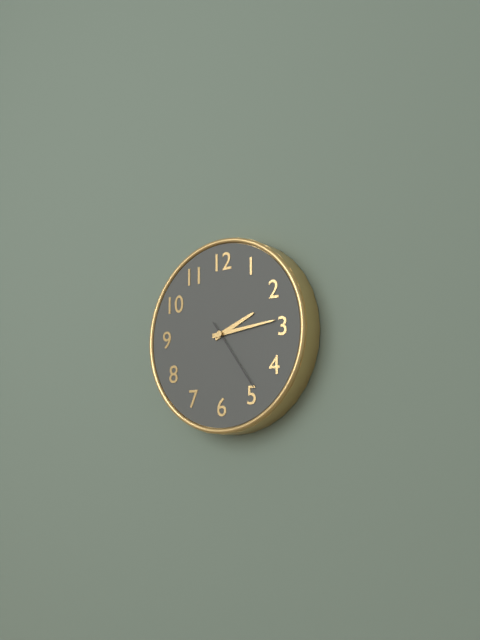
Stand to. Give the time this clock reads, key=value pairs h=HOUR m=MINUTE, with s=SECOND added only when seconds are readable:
h=2 m=14 s=24
